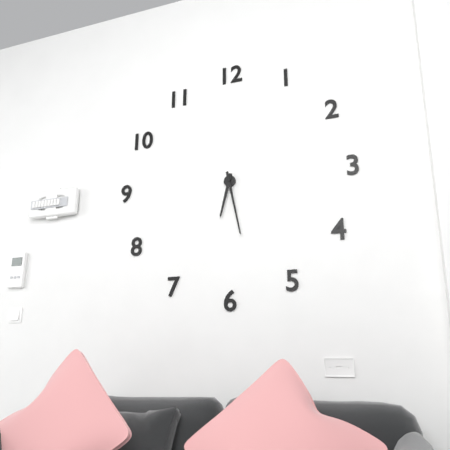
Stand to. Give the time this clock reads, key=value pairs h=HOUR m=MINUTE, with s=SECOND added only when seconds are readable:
h=6 m=28
